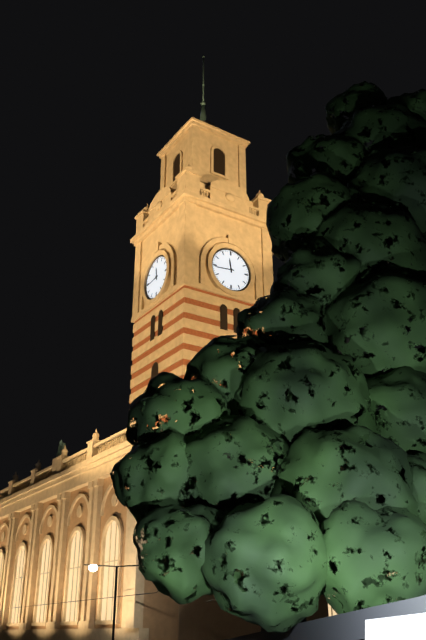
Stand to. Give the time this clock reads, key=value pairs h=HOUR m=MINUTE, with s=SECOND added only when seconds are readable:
h=11 m=44
